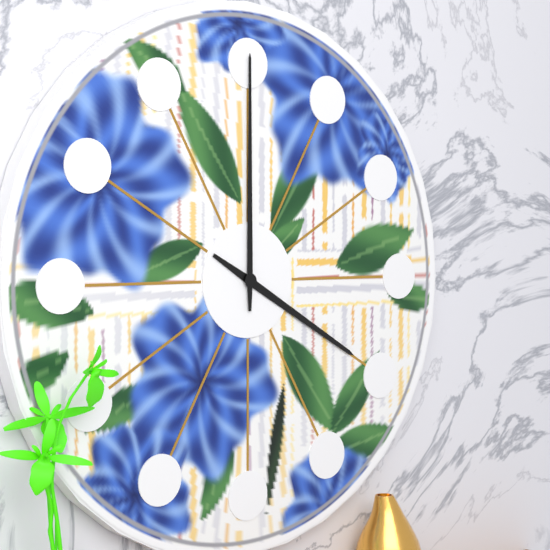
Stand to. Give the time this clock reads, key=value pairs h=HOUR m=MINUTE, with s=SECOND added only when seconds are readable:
h=4 m=0
